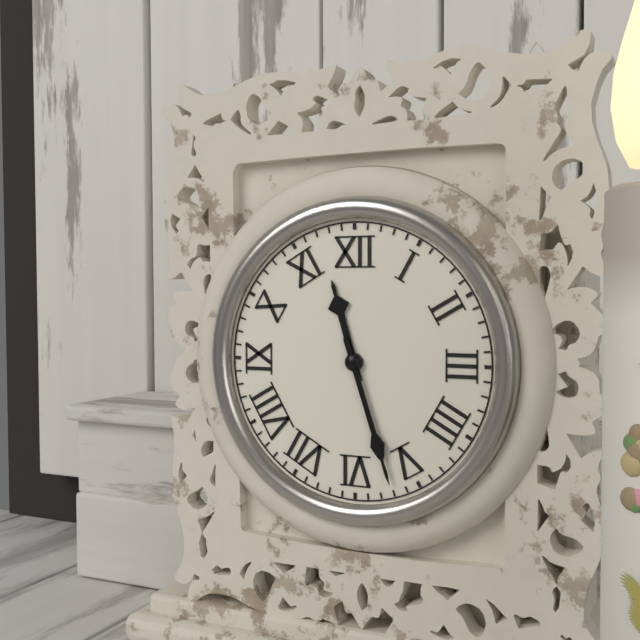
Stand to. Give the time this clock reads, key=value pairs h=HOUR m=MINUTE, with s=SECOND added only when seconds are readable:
h=11 m=27
